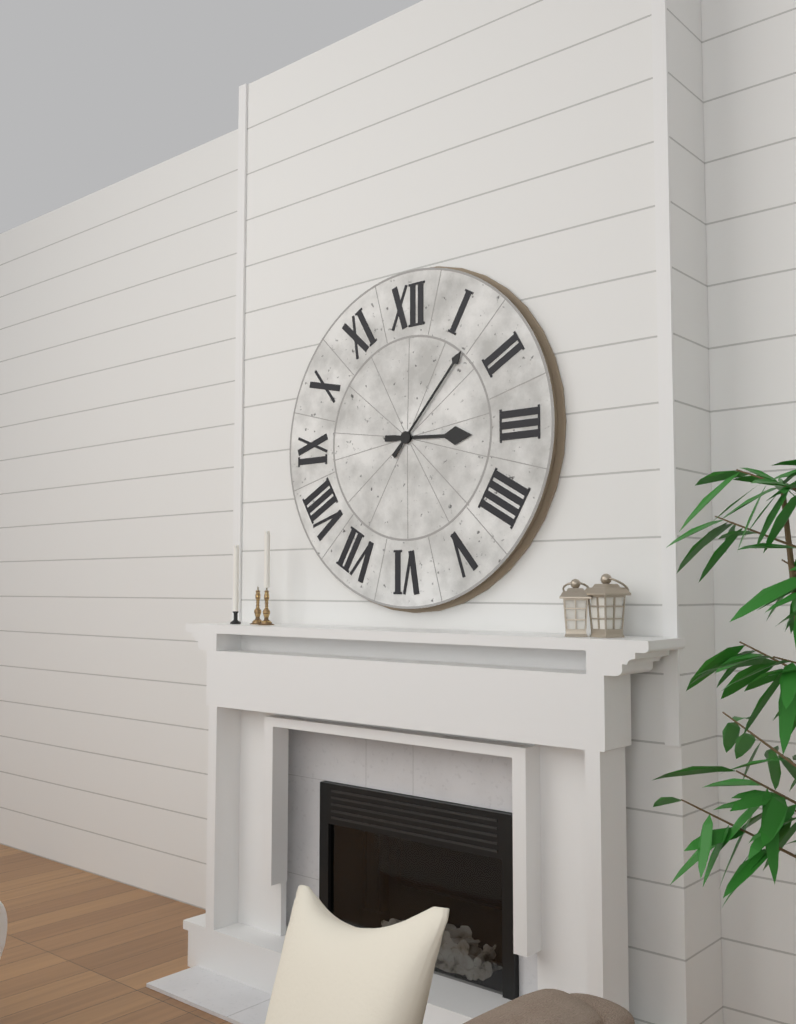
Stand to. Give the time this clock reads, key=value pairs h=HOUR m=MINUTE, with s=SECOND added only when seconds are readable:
h=3 m=7
